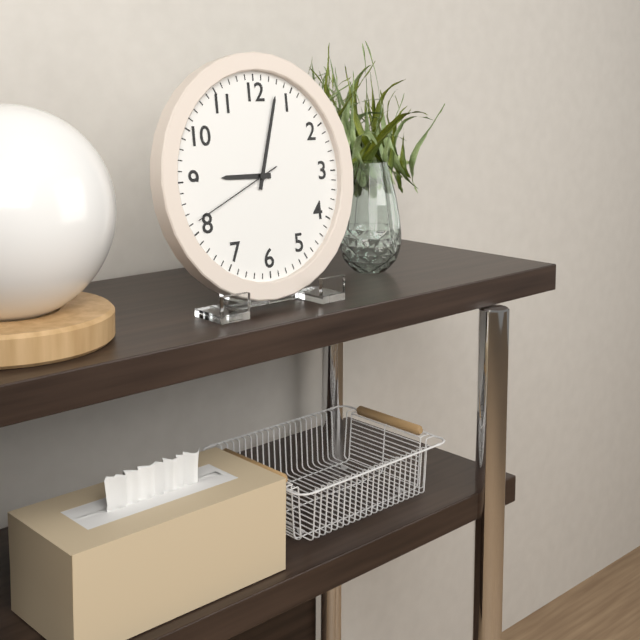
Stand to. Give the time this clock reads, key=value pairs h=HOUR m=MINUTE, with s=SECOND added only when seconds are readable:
h=9 m=3 s=41
